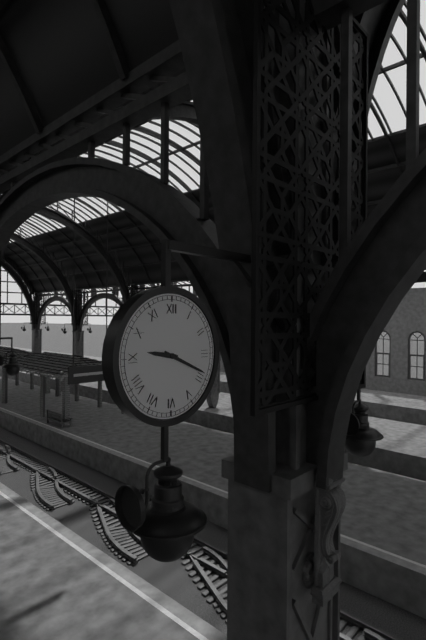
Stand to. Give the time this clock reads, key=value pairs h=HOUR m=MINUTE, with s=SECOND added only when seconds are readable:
h=9 m=19
